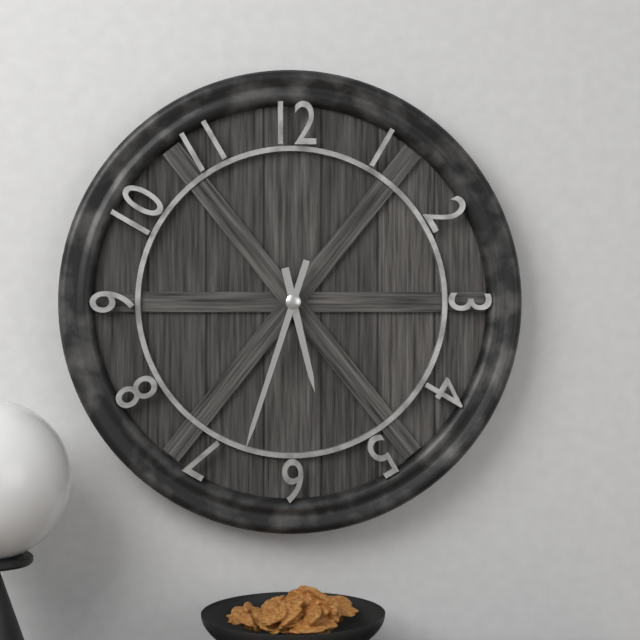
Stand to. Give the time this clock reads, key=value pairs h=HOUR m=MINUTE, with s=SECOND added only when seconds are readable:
h=5 m=33
